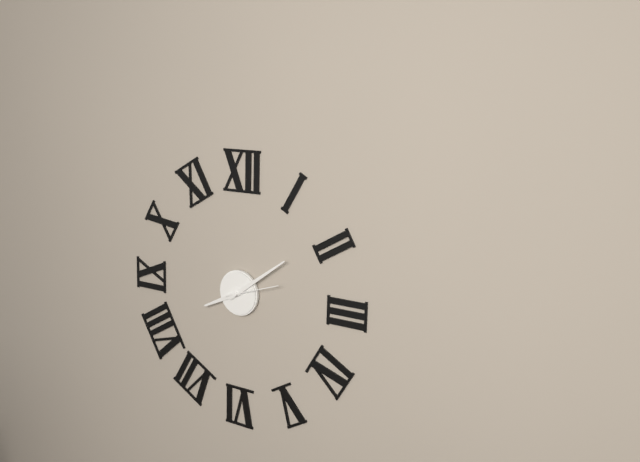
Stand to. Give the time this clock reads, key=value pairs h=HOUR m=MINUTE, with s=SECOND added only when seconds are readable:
h=8 m=9
